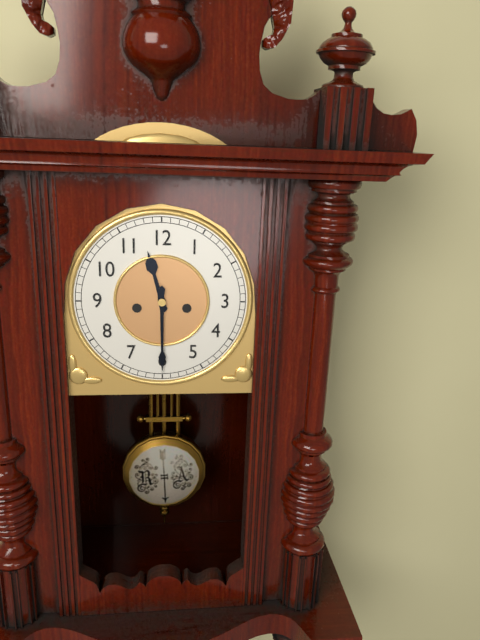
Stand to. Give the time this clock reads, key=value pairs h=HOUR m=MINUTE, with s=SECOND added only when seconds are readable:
h=11 m=30
